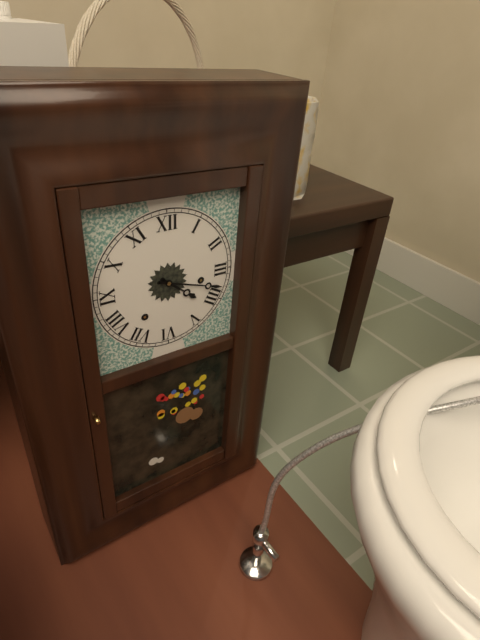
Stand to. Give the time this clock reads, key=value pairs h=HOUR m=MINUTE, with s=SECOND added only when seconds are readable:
h=4 m=18
